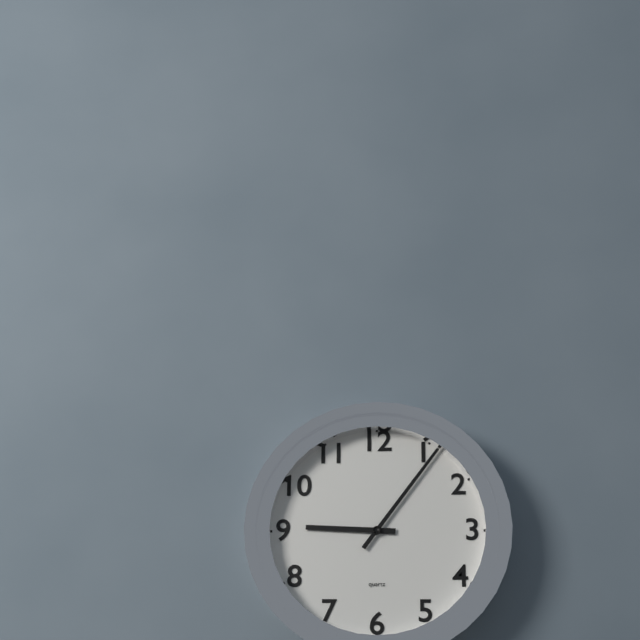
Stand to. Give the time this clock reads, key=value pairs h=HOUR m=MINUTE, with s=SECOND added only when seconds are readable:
h=9 m=6
